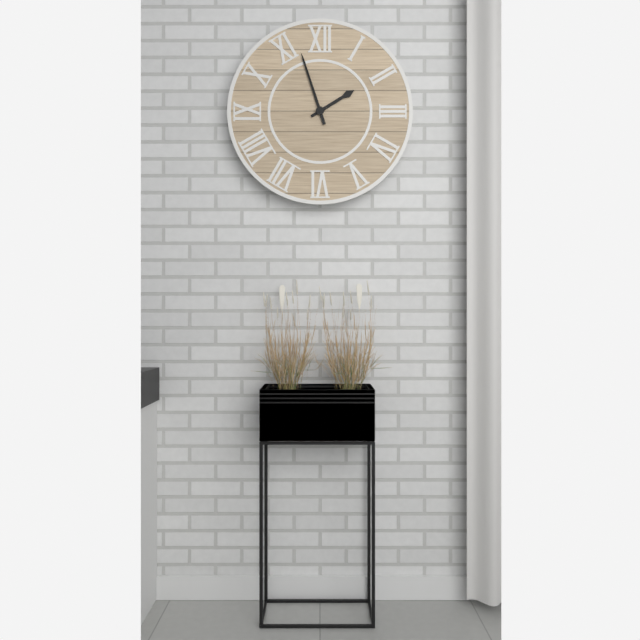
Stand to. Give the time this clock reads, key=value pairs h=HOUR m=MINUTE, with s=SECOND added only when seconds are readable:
h=1 m=57
